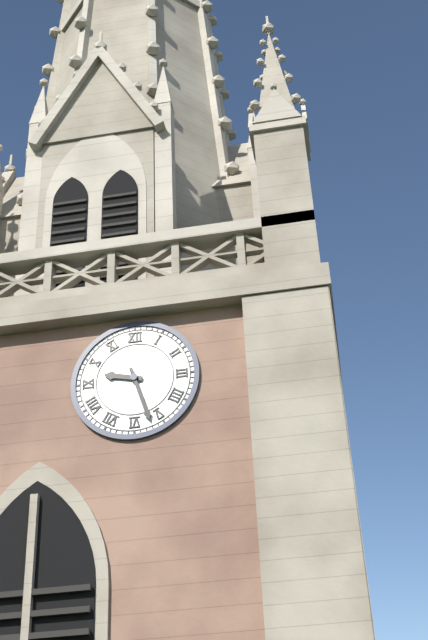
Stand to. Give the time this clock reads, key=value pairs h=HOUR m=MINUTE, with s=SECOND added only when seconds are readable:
h=9 m=27
